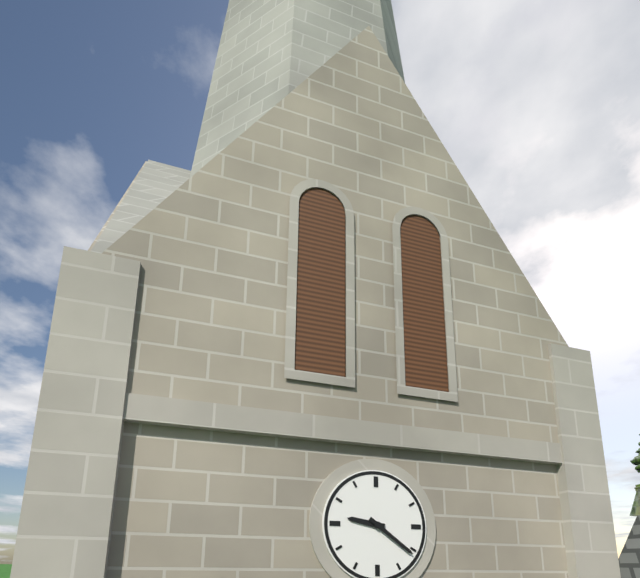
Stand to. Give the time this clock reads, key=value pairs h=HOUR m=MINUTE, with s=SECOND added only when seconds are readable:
h=9 m=21
